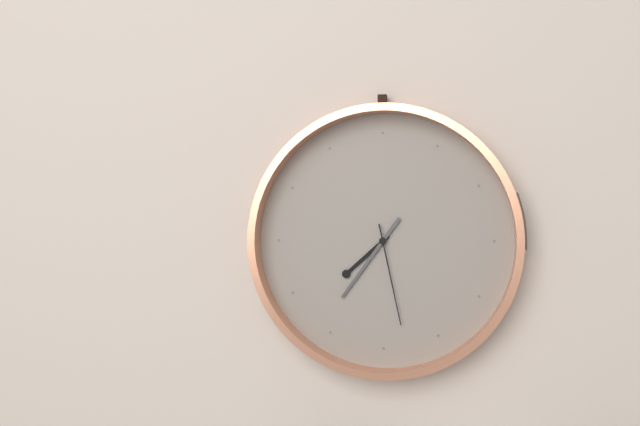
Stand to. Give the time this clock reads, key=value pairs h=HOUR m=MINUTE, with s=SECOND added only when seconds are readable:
h=7 m=36 s=28
